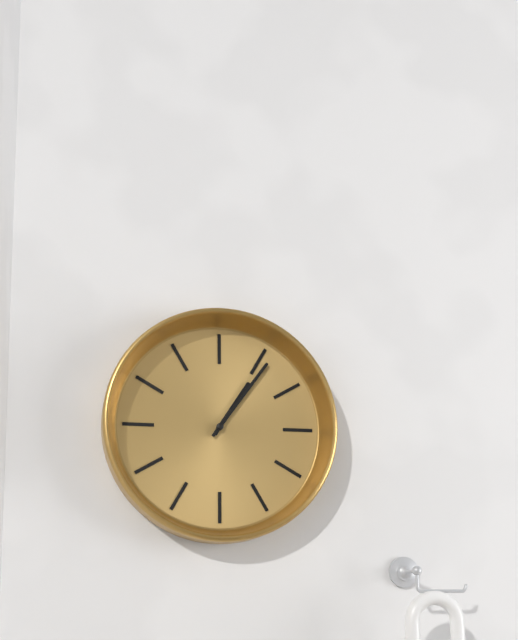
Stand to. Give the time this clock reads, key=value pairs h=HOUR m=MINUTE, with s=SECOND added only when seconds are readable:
h=1 m=6
